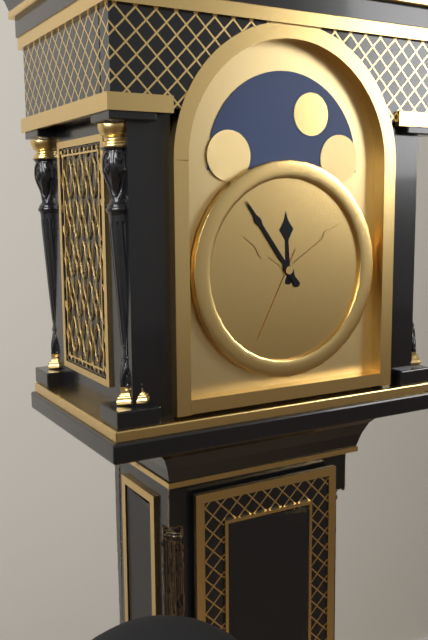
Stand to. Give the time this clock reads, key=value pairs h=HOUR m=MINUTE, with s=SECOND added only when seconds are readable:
h=11 m=54
